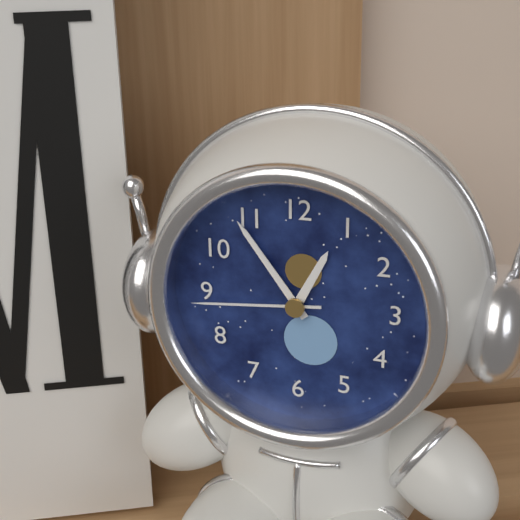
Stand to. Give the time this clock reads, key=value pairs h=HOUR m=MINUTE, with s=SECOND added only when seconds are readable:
h=12 m=54 s=44
